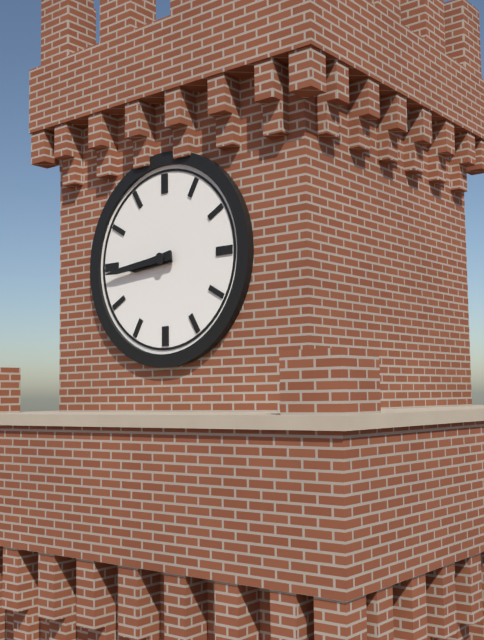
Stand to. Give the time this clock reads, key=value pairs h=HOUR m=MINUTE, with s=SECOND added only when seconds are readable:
h=8 m=44
